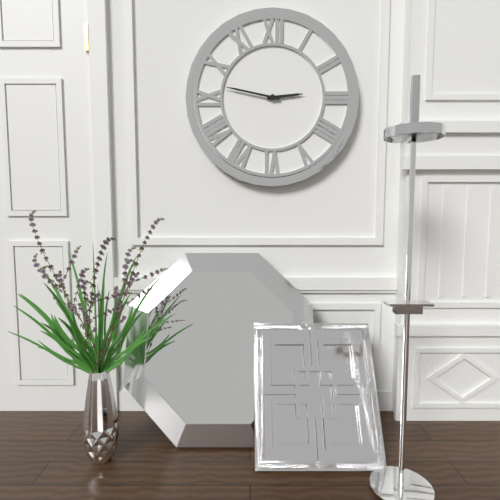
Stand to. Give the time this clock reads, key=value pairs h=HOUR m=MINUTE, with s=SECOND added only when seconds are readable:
h=2 m=47
